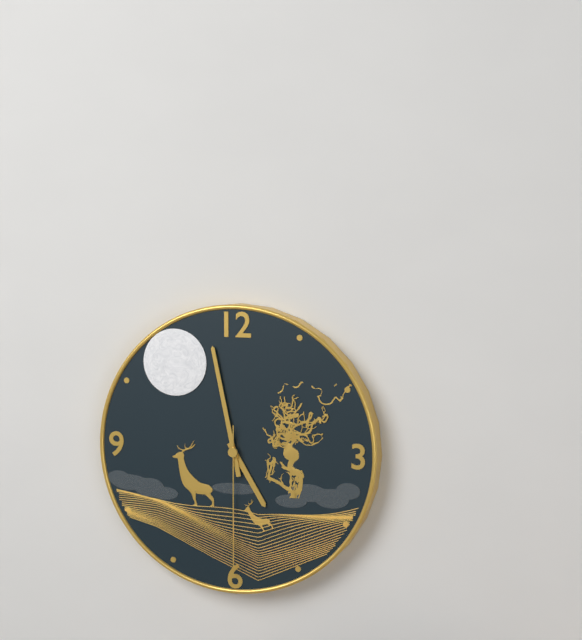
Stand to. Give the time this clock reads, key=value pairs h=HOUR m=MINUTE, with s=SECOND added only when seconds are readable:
h=4 m=58 s=30
